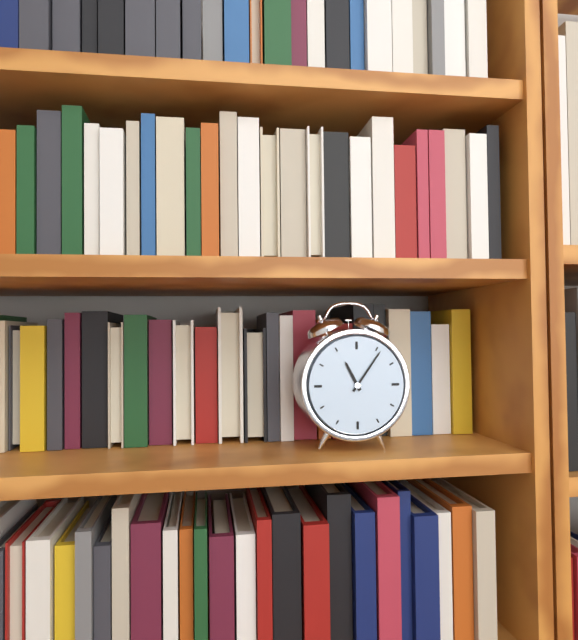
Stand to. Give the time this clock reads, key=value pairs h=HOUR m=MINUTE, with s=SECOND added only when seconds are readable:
h=11 m=6
